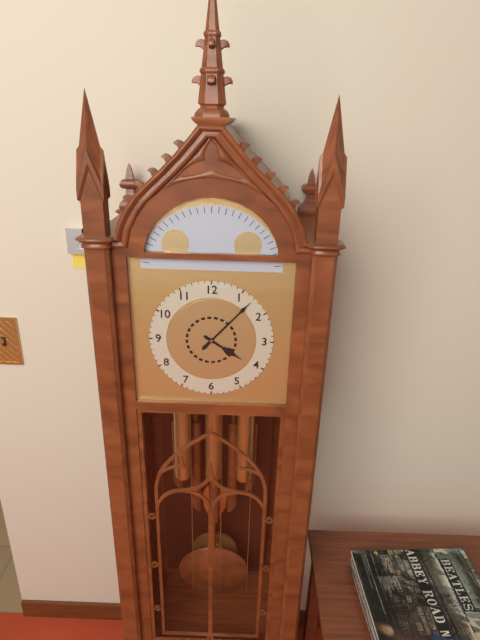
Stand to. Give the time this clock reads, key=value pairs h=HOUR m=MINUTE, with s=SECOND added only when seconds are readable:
h=4 m=7
